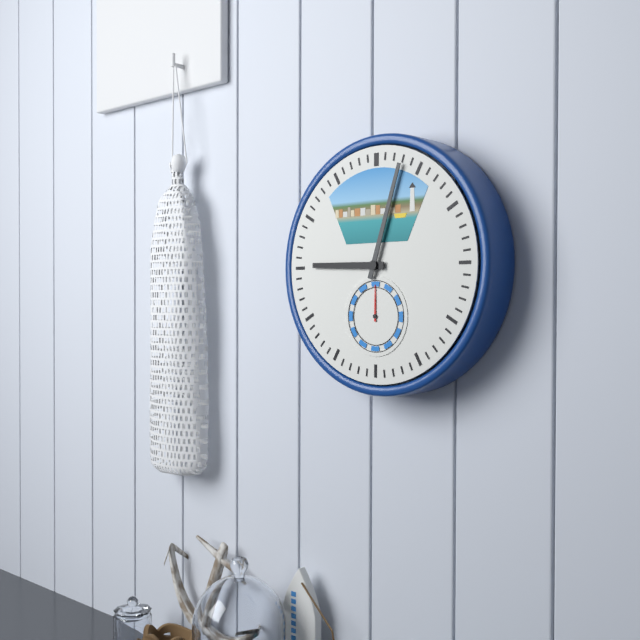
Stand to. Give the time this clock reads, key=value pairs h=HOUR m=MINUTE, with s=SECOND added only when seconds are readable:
h=9 m=3
